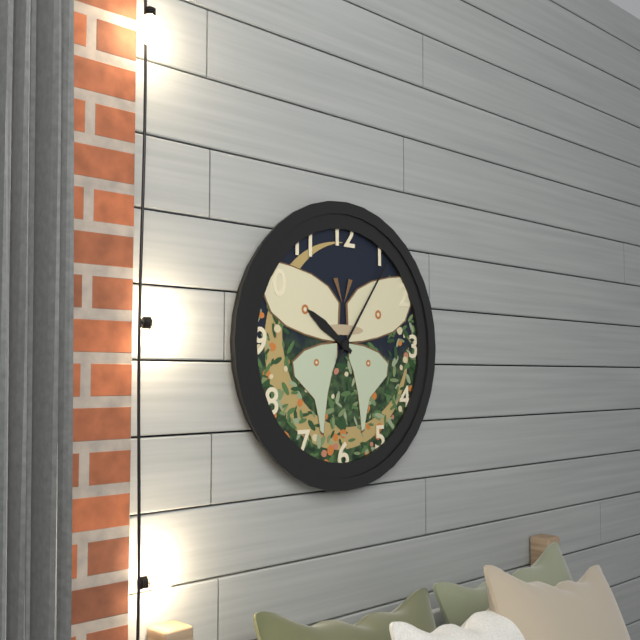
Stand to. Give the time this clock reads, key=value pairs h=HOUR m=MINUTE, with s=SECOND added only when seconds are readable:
h=10 m=6
